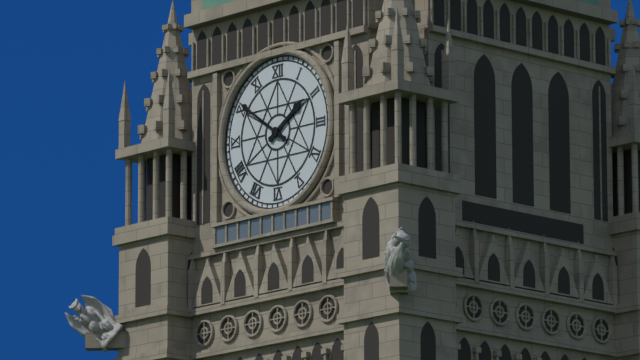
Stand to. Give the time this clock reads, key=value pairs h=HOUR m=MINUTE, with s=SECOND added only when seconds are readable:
h=1 m=51
